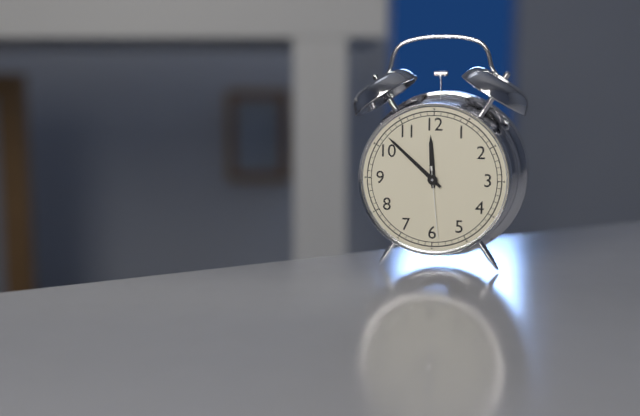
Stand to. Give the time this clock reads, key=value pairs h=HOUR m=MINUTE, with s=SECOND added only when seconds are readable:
h=11 m=52 s=29
